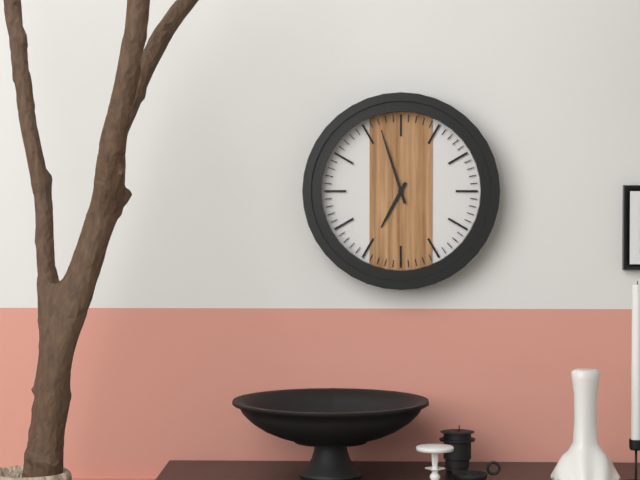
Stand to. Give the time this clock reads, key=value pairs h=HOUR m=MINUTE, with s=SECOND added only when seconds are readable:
h=6 m=57
